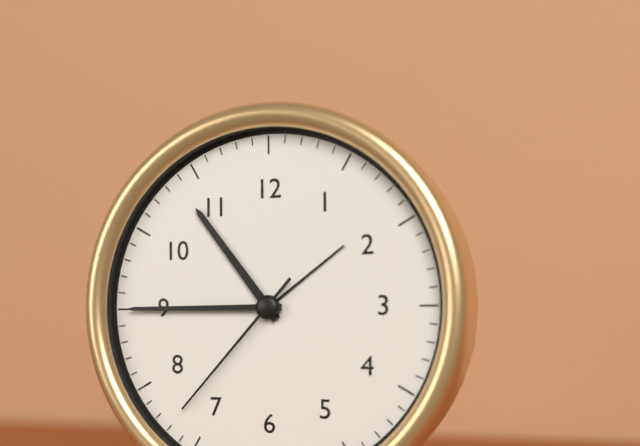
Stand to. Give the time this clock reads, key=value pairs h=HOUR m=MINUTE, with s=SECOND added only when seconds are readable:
h=10 m=45 s=37
